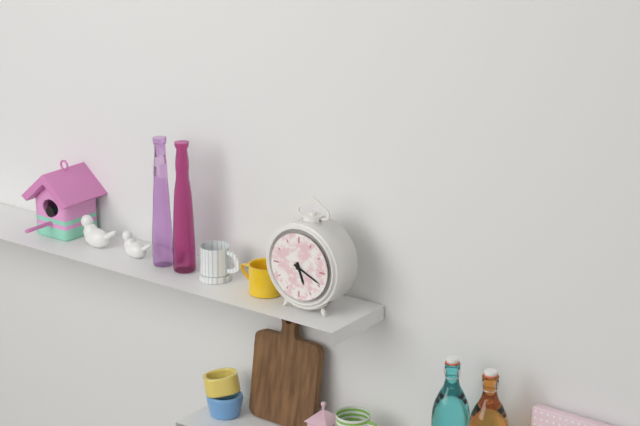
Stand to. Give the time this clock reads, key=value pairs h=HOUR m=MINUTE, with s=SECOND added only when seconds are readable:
h=5 m=19
